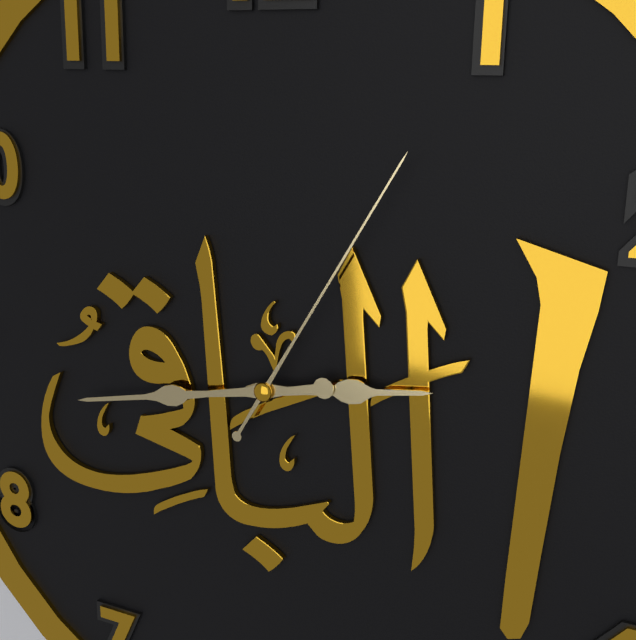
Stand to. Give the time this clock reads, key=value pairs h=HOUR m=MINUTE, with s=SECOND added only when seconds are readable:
h=2 m=43 s=5
